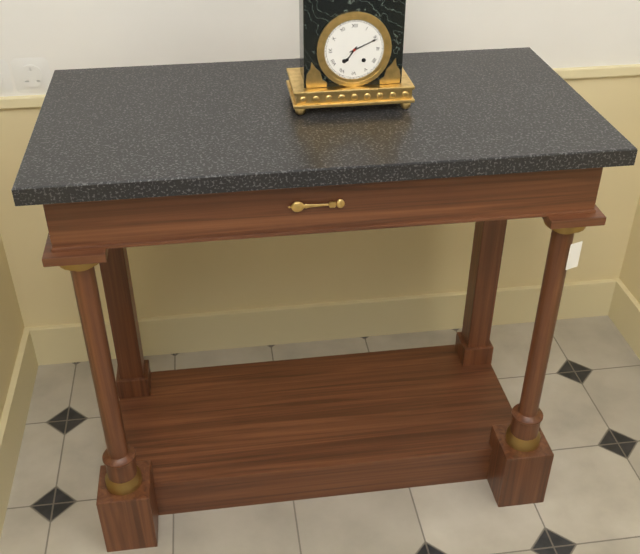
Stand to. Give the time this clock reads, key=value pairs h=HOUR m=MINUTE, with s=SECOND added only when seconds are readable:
h=7 m=11
